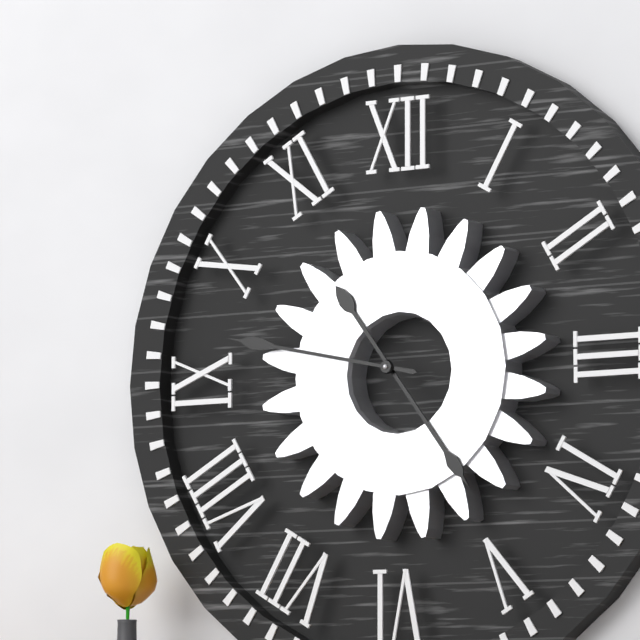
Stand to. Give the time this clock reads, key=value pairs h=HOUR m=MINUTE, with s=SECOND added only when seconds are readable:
h=4 m=47
